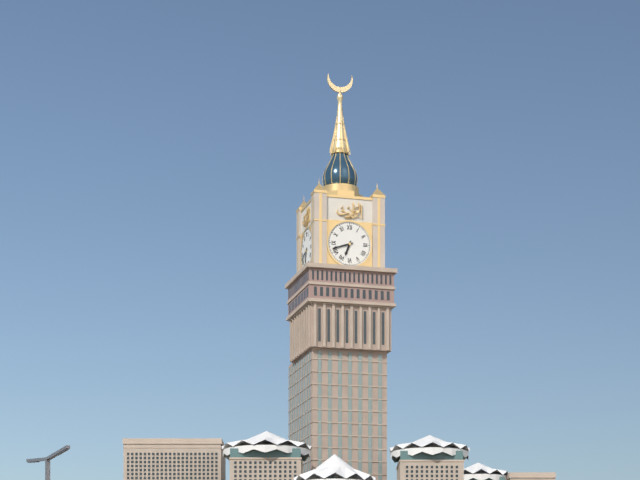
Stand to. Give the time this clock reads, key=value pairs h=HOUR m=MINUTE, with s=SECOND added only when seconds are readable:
h=6 m=42
